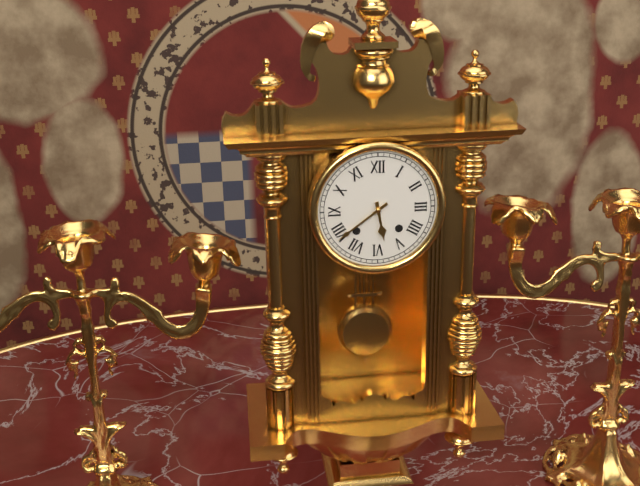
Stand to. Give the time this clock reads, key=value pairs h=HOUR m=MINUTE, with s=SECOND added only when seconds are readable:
h=5 m=39
